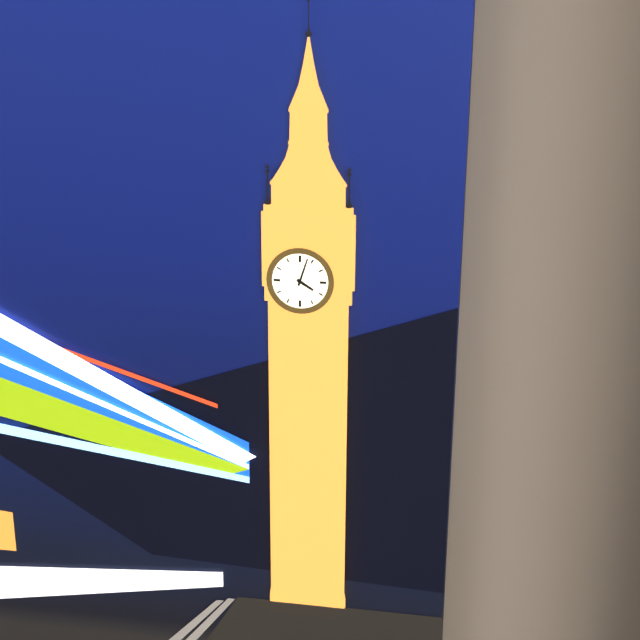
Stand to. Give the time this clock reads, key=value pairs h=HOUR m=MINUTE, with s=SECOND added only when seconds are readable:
h=4 m=3
